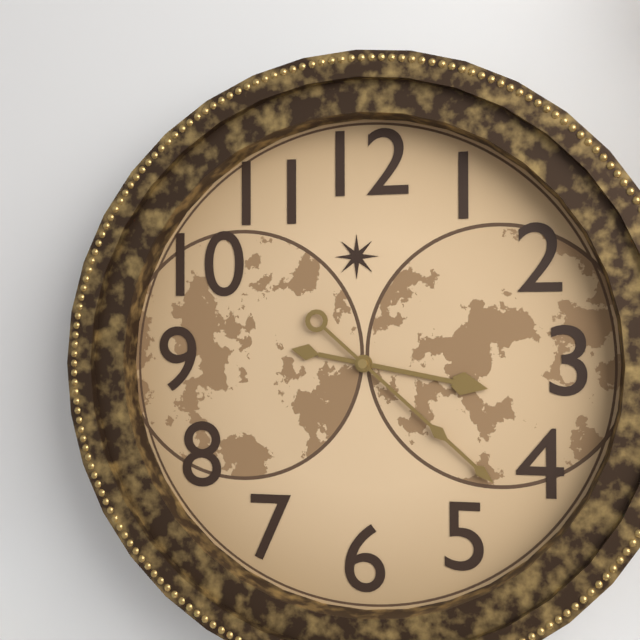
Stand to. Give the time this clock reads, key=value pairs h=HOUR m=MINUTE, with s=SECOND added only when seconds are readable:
h=3 m=22
